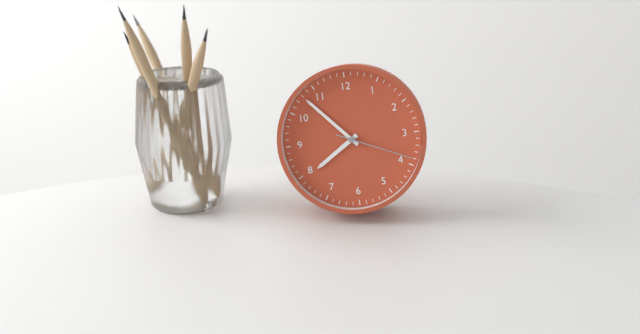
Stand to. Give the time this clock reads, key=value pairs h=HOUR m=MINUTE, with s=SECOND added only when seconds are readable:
h=7 m=53 s=19
